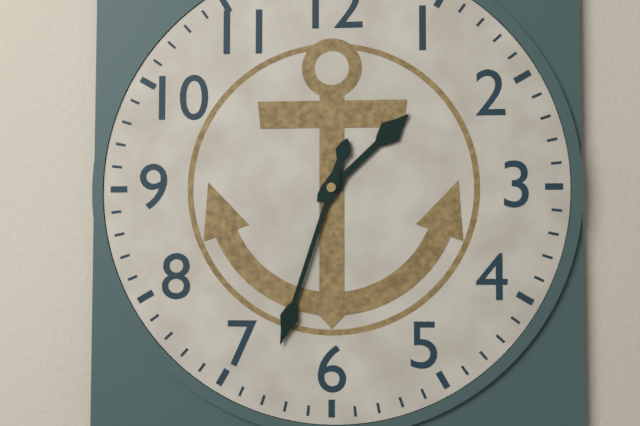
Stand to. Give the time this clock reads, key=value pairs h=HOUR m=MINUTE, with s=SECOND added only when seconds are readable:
h=1 m=33
